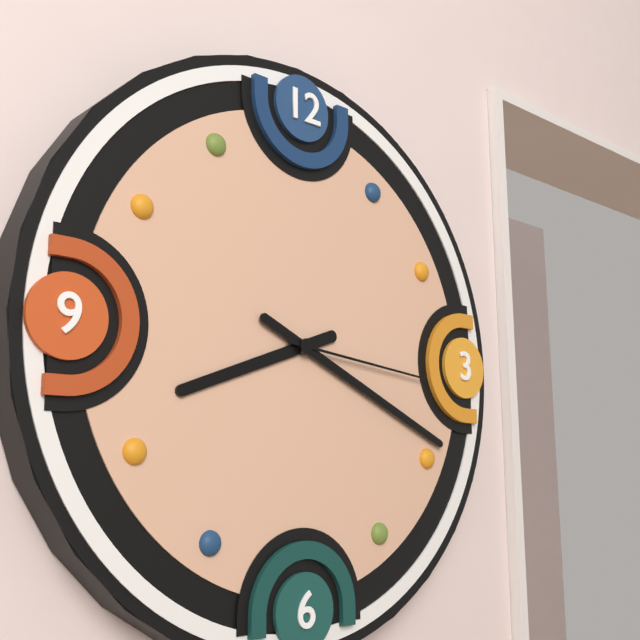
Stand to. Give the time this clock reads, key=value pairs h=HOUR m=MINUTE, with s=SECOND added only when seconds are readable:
h=8 m=19 s=16
